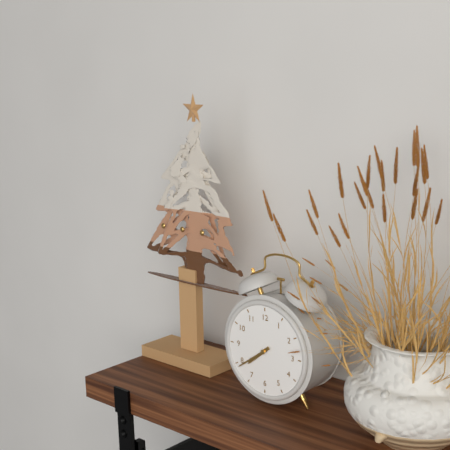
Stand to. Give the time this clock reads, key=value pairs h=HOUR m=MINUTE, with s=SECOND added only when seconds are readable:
h=7 m=39
